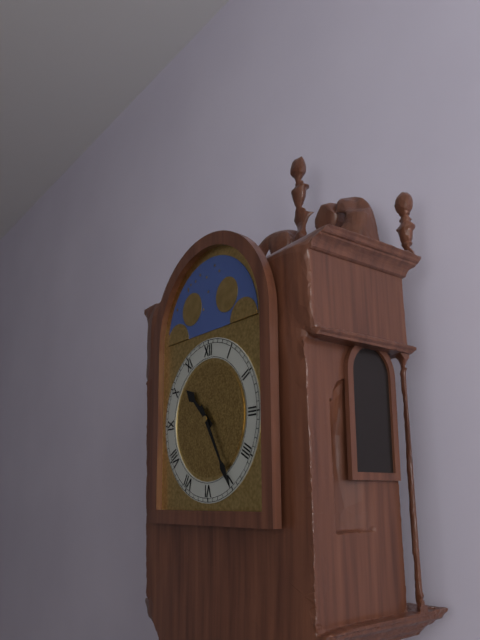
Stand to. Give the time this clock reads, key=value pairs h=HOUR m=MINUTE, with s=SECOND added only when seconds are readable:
h=10 m=25
